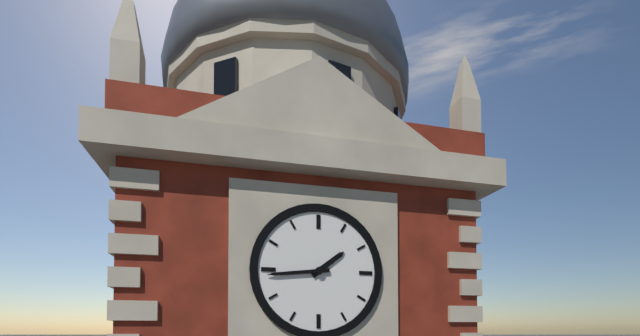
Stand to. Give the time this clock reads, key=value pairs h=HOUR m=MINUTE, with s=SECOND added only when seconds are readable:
h=1 m=44
